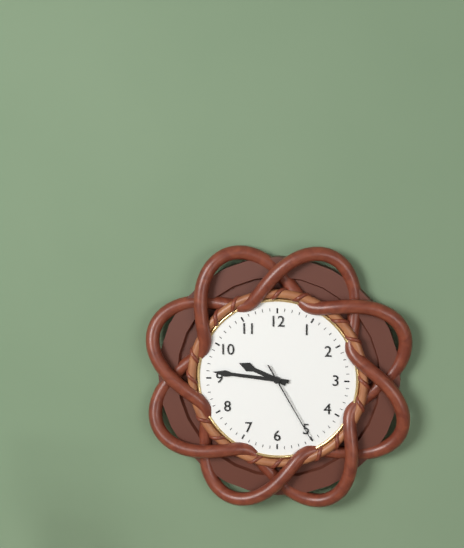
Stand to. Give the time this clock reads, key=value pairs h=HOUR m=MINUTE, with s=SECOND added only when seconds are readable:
h=9 m=46 s=25
